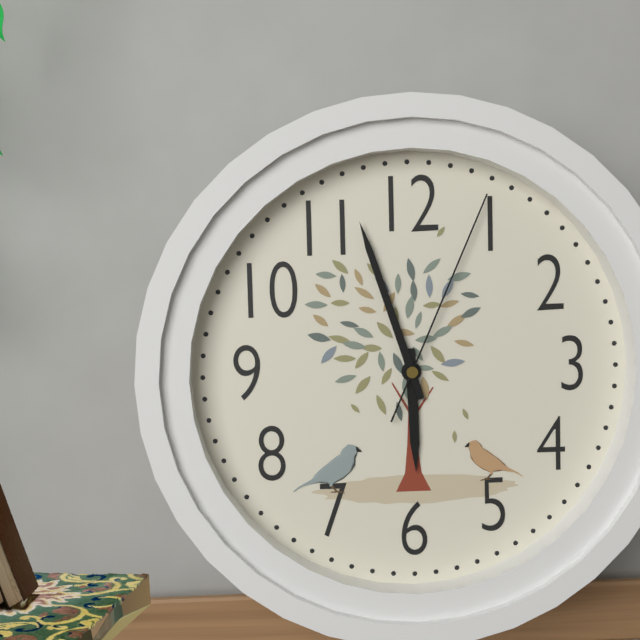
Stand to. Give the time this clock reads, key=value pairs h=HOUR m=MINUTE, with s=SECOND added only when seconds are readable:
h=5 m=57 s=4
